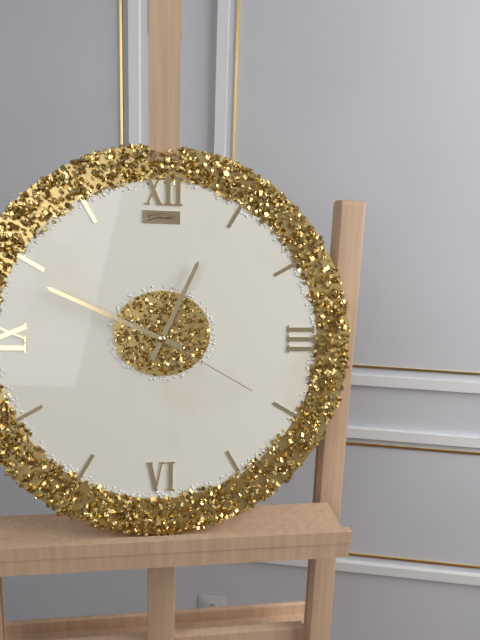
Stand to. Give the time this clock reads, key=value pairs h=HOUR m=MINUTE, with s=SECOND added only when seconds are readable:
h=12 m=49 s=20
